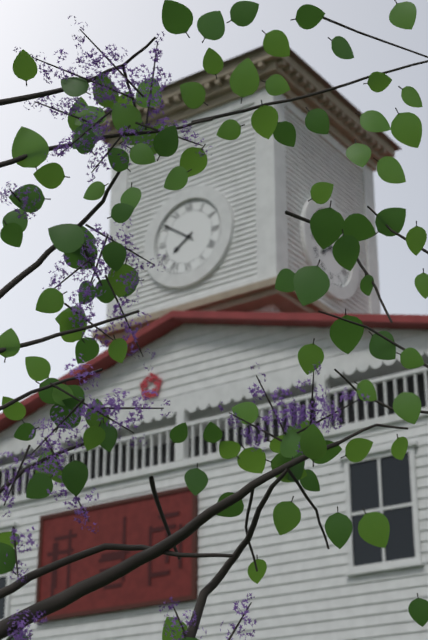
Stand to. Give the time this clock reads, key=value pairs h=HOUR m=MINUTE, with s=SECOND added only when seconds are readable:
h=7 m=51
